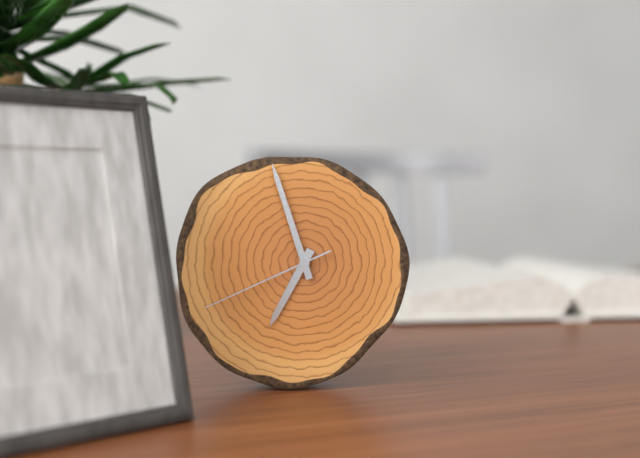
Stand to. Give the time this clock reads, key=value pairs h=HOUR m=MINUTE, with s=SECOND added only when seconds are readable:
h=6 m=57 s=41
